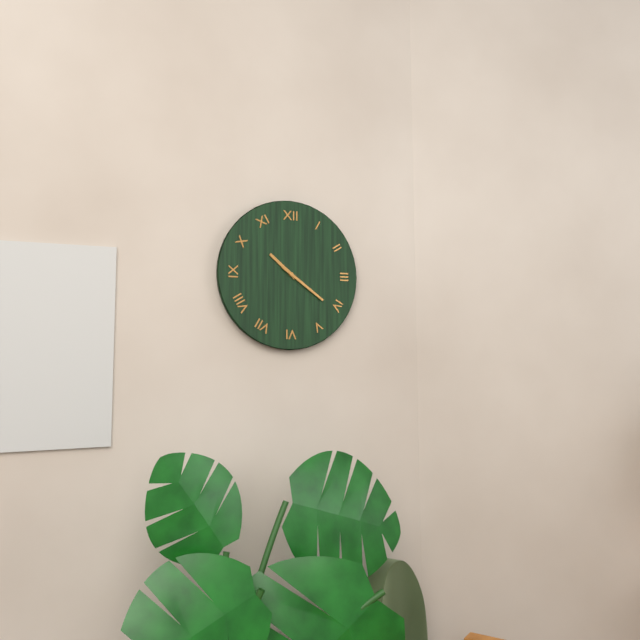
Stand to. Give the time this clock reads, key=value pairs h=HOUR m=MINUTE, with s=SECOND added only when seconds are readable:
h=10 m=21
